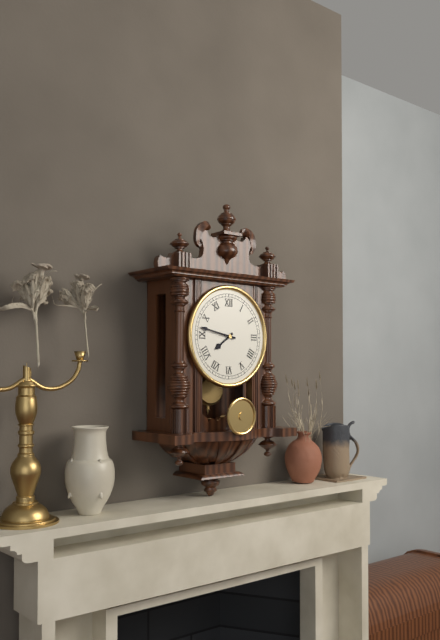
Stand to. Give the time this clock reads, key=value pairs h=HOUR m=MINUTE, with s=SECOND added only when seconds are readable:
h=7 m=47
